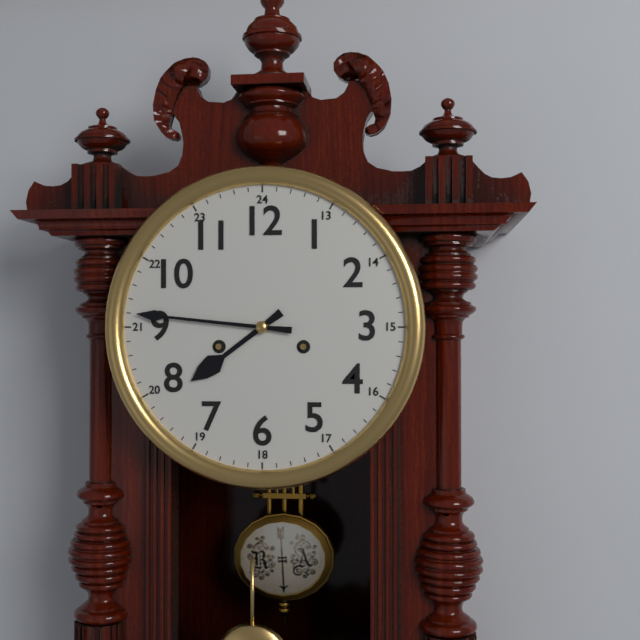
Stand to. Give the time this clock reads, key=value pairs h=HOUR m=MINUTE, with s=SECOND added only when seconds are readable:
h=7 m=46
